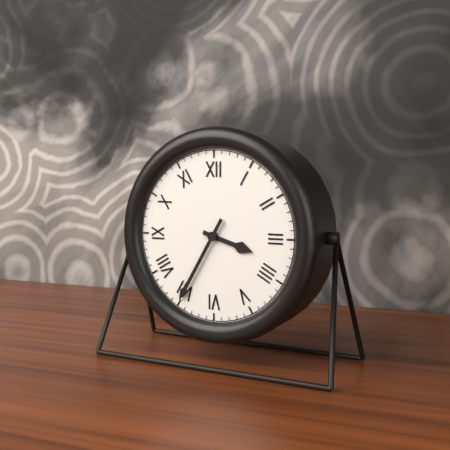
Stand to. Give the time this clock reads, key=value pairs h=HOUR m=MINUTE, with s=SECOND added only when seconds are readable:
h=3 m=35
